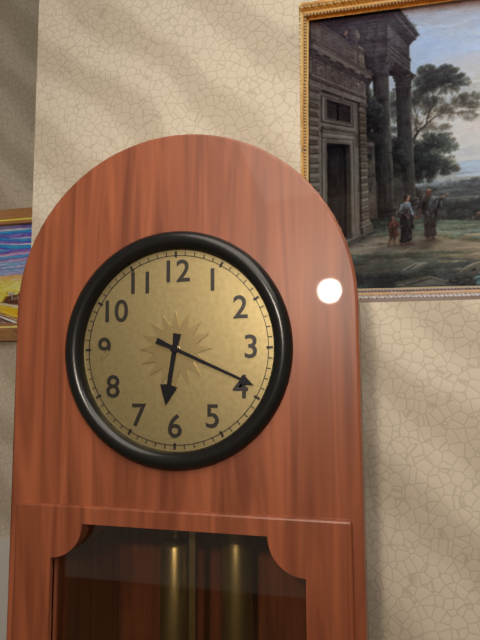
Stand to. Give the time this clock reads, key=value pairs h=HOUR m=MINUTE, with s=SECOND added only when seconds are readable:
h=6 m=19
